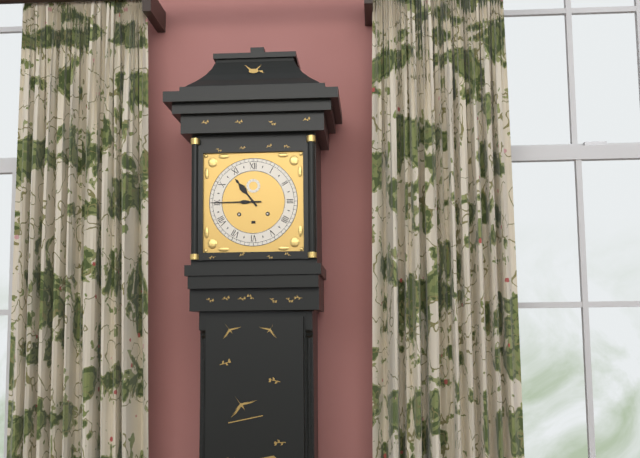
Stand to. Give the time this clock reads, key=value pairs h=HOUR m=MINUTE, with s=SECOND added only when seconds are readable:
h=10 m=45
